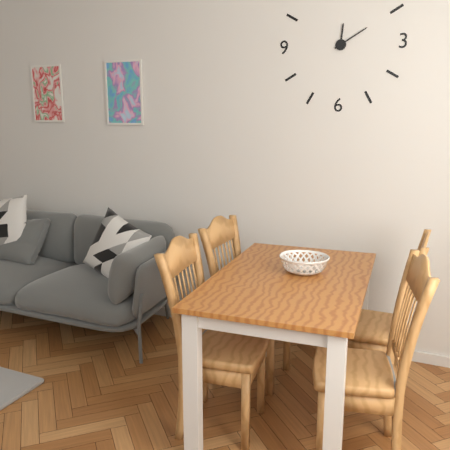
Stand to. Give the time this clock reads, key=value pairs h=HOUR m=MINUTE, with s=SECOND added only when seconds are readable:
h=12 m=10
